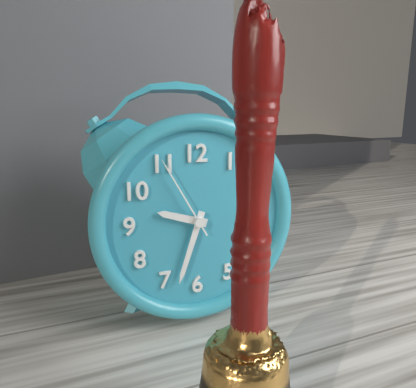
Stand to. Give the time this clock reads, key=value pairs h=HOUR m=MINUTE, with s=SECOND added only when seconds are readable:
h=9 m=33 s=55
